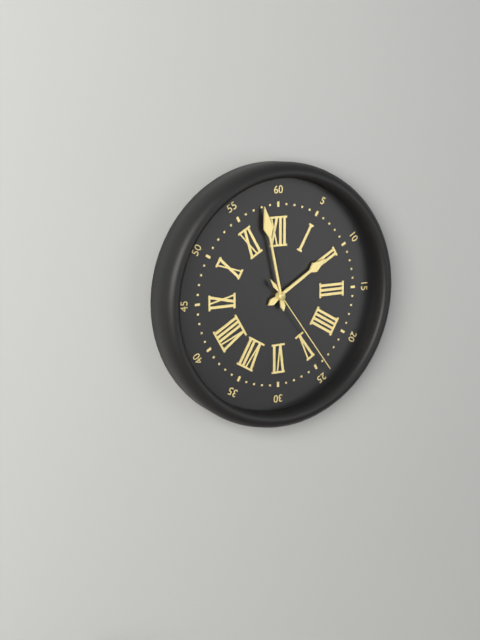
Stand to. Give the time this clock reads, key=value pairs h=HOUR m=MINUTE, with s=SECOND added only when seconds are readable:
h=1 m=58 s=24
